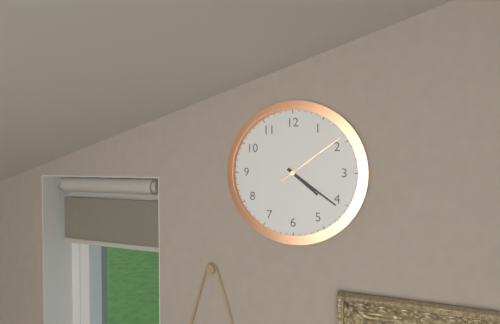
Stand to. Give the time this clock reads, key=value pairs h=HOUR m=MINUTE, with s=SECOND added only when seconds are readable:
h=4 m=21 s=9
